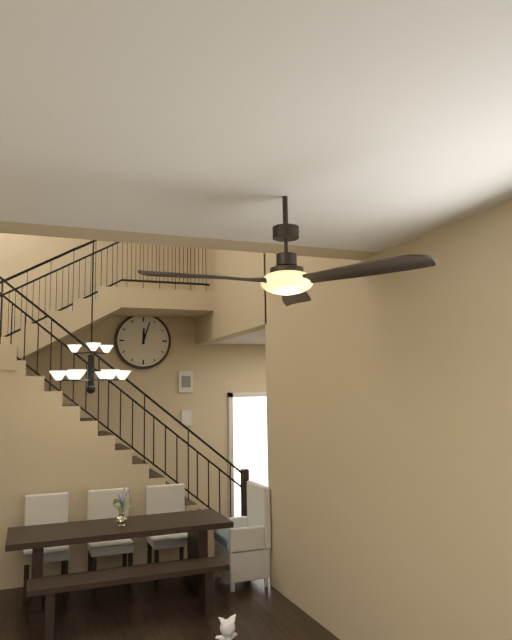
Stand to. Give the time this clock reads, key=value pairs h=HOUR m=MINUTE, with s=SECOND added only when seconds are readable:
h=12 m=3
